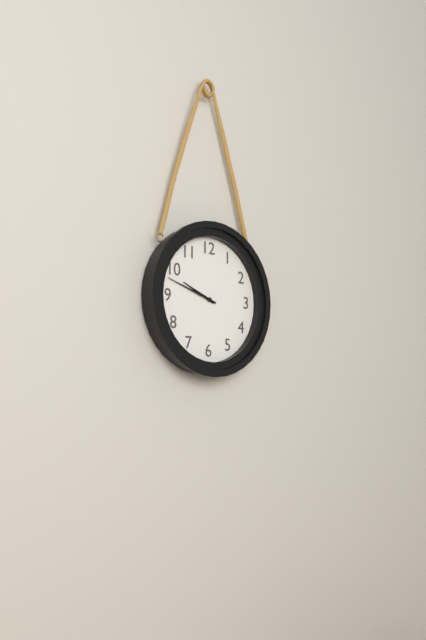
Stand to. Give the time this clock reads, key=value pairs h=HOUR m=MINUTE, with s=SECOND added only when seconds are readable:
h=9 m=48
